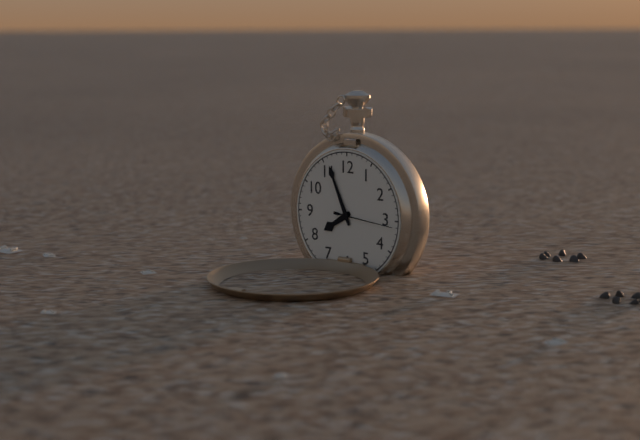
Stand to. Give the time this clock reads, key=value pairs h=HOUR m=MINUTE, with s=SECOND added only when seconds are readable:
h=7 m=56 s=16
